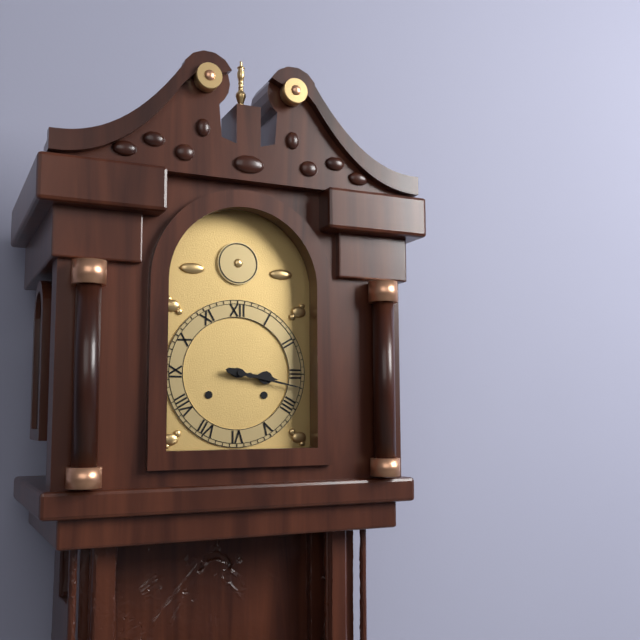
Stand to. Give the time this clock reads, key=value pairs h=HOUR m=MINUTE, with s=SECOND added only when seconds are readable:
h=3 m=17
